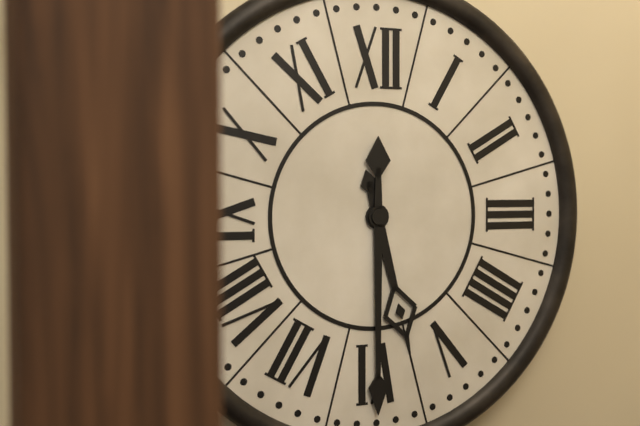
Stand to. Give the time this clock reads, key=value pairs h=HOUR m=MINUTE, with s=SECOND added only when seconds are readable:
h=5 m=30
